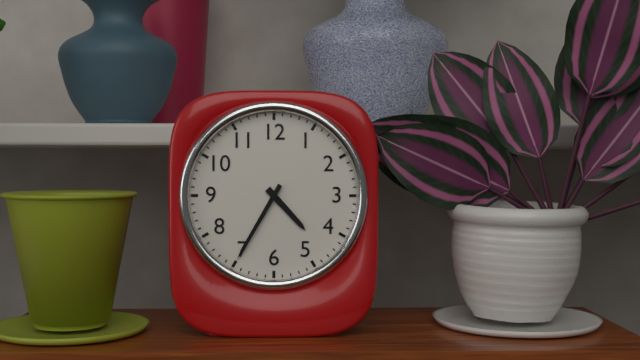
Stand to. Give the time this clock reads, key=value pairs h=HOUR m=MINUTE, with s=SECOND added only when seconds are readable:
h=4 m=35
